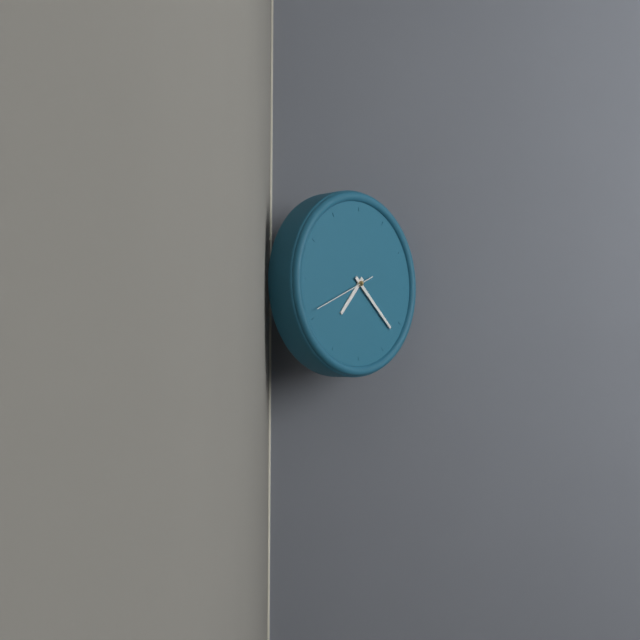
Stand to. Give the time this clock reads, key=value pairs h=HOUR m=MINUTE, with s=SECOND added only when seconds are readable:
h=7 m=22 s=41
